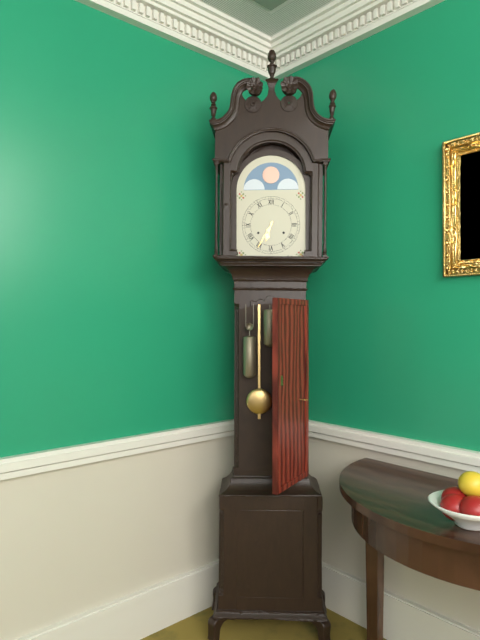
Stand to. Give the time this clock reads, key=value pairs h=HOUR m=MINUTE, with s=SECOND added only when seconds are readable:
h=6 m=35
